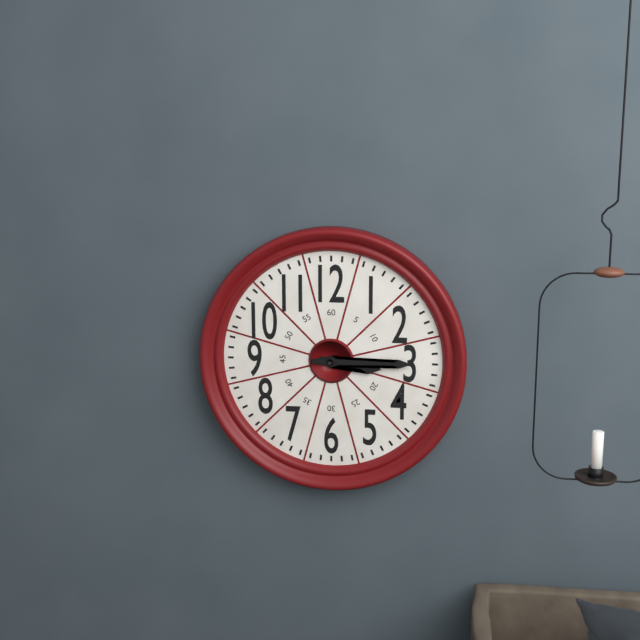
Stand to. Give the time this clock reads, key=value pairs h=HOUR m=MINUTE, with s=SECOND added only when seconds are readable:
h=3 m=15
